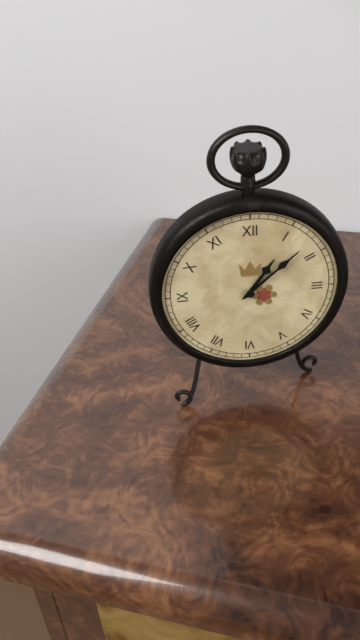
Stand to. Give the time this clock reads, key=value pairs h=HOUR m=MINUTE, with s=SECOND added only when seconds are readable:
h=1 m=8
